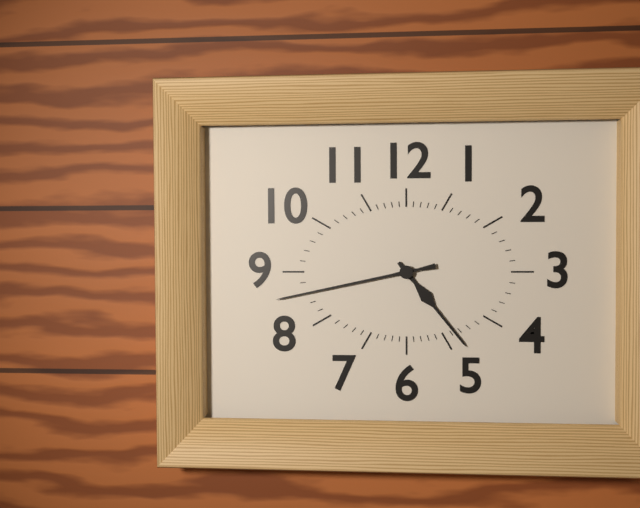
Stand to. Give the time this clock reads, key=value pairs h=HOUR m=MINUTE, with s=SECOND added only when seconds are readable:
h=4 m=43
